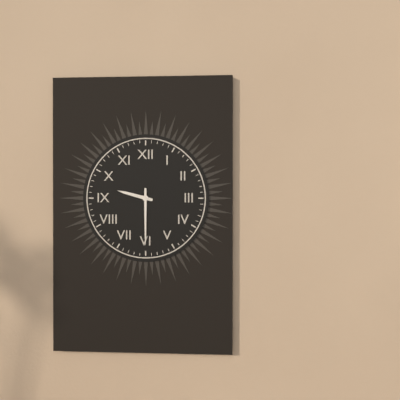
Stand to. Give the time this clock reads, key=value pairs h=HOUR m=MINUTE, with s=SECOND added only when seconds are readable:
h=9 m=30
